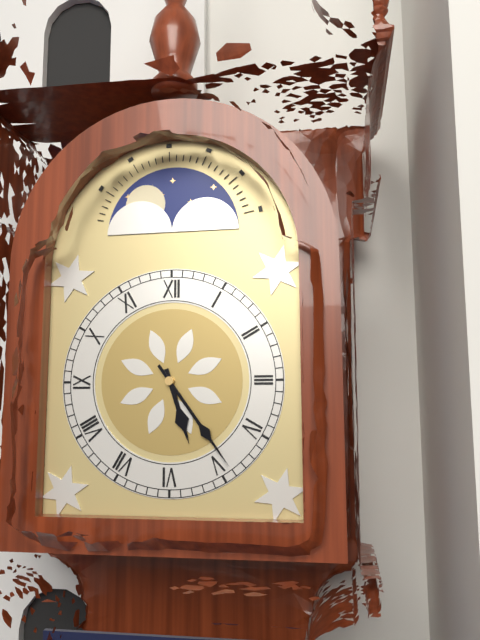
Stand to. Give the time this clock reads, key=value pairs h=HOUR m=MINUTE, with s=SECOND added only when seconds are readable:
h=5 m=24
